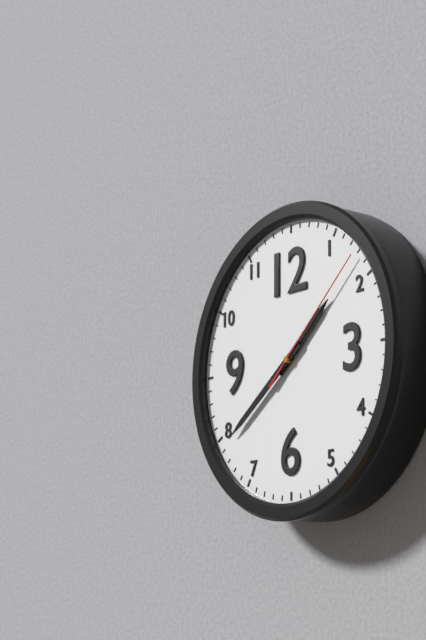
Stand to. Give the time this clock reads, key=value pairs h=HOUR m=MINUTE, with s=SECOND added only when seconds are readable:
h=1 m=39 s=8
